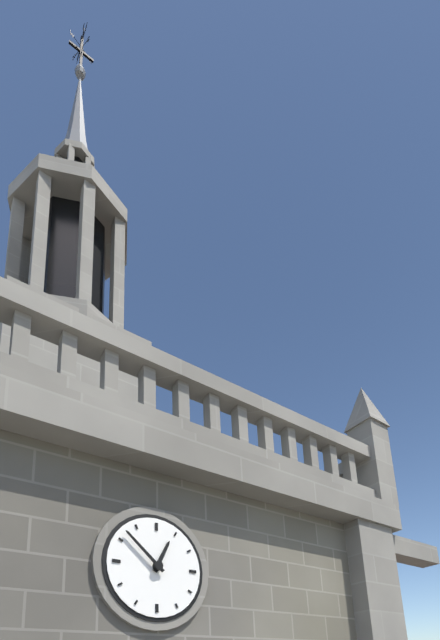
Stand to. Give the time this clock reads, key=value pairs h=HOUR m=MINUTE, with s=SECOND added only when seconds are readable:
h=12 m=52
